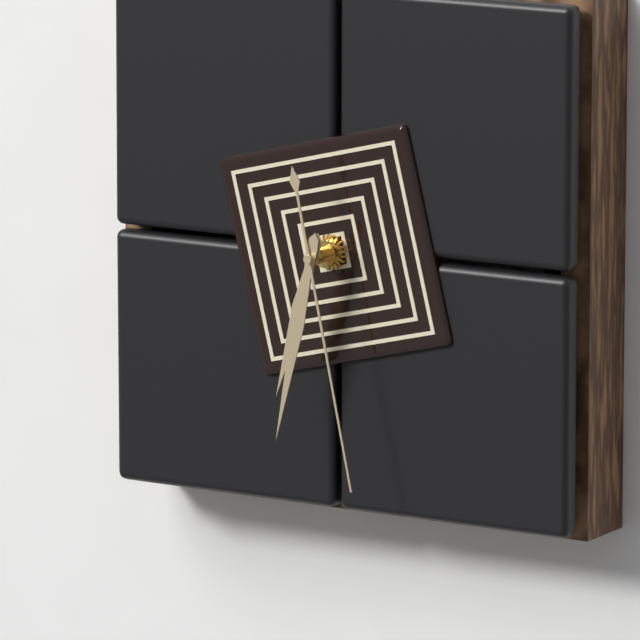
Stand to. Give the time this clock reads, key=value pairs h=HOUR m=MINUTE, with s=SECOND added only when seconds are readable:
h=6 m=32 s=28
